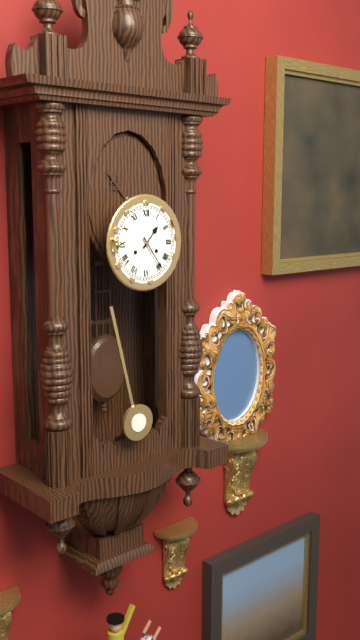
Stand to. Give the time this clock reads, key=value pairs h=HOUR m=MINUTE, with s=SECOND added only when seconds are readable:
h=1 m=24
